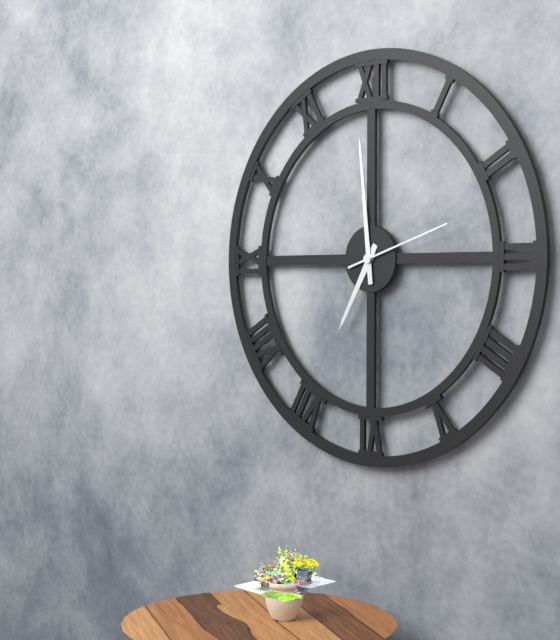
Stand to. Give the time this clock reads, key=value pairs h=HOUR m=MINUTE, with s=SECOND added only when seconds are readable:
h=6 m=59 s=12
